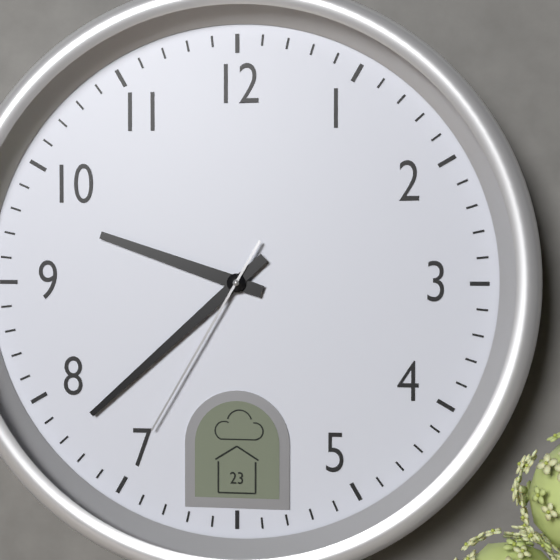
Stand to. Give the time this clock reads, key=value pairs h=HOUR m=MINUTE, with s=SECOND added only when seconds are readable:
h=9 m=38 s=35
